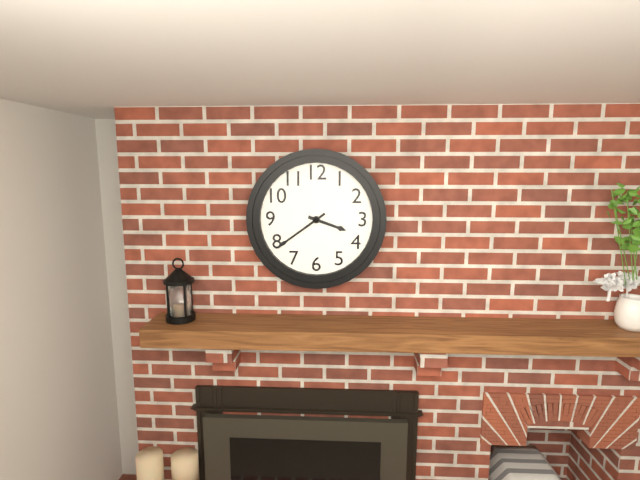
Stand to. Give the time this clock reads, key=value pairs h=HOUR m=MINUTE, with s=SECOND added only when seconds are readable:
h=3 m=39
